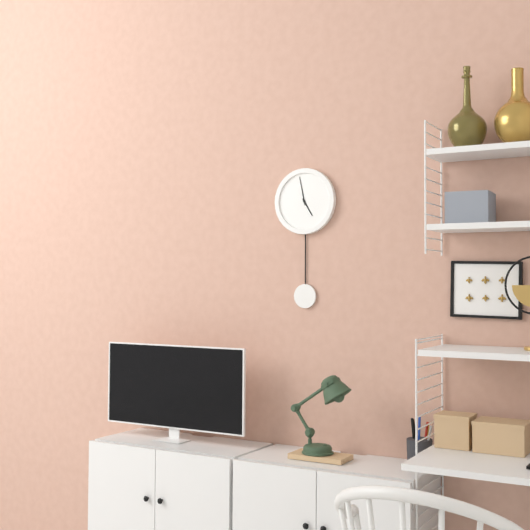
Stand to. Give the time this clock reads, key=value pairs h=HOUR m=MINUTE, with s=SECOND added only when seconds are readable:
h=4 m=58
